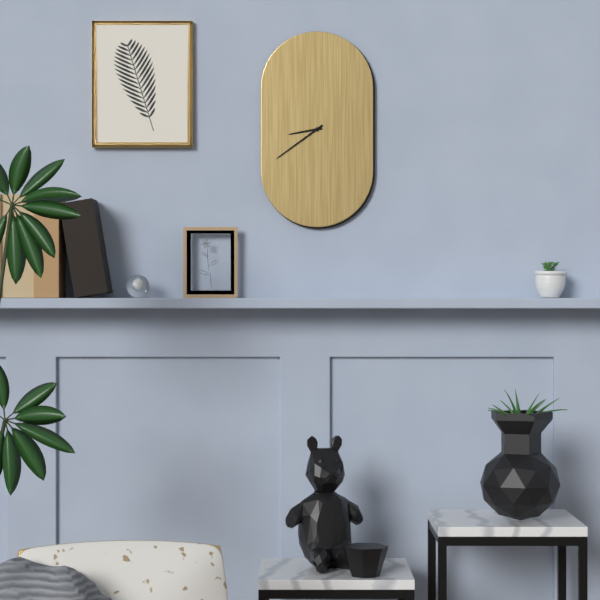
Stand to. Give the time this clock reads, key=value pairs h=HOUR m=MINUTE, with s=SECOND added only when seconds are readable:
h=8 m=39
